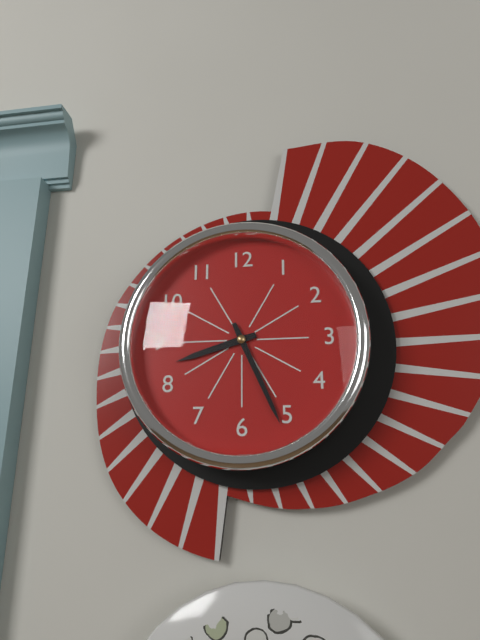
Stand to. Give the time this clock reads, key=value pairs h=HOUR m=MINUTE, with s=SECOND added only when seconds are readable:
h=8 m=26
